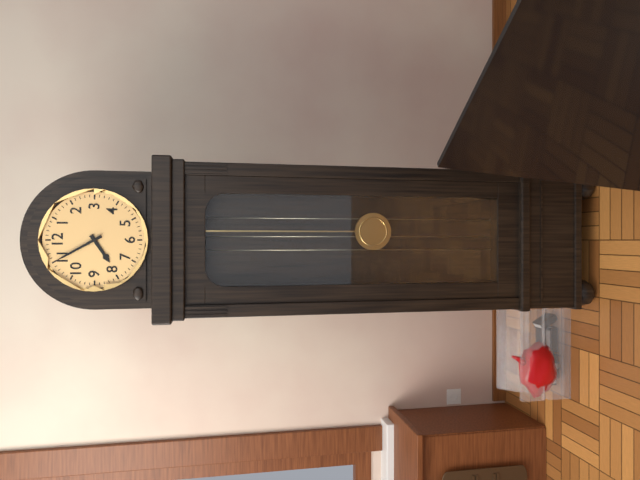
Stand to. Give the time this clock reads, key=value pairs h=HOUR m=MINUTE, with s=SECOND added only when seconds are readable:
h=7 m=55
